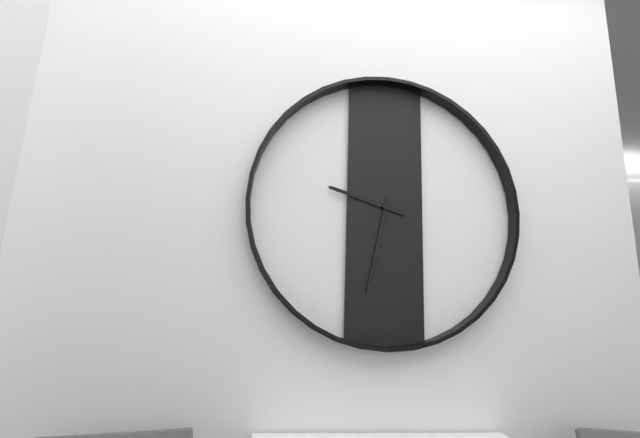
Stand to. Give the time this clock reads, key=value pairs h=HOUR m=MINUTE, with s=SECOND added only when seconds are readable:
h=9 m=32
